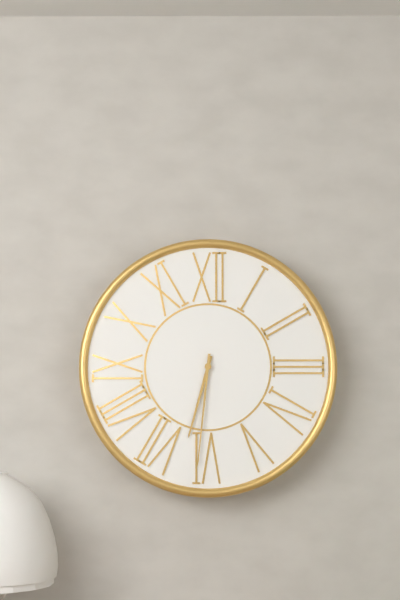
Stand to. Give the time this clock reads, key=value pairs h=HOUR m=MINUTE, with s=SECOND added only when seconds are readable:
h=6 m=31
